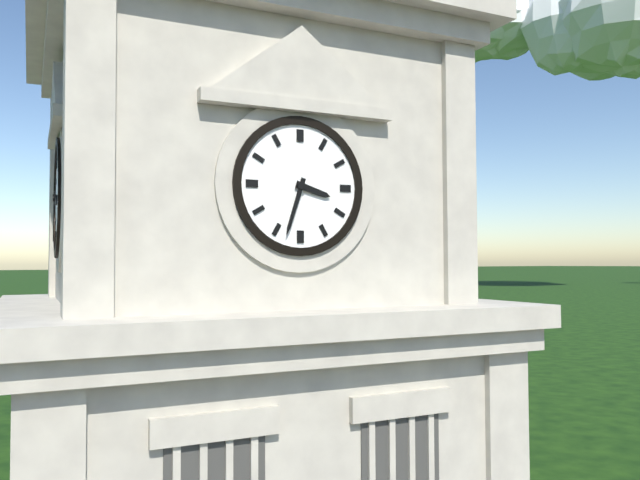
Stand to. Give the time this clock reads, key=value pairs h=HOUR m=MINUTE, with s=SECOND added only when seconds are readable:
h=3 m=33
